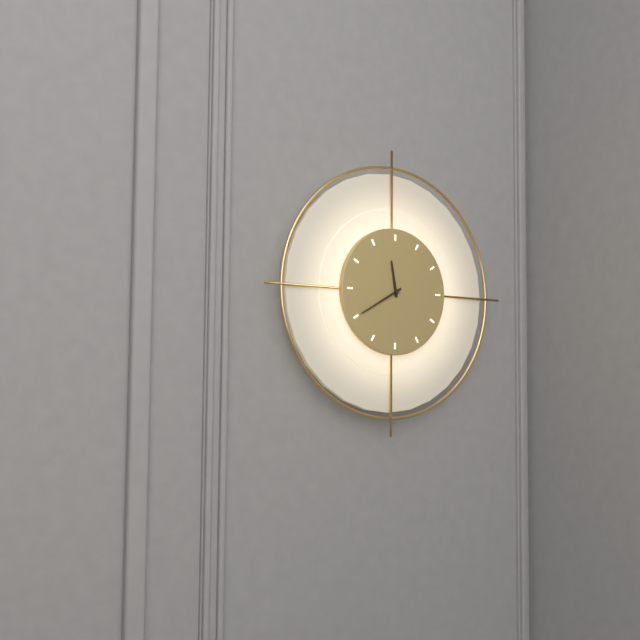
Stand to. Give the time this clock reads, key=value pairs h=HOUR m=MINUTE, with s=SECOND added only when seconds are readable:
h=11 m=40
